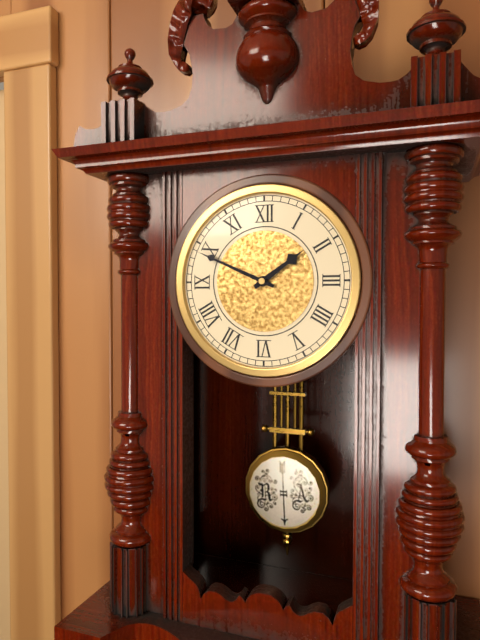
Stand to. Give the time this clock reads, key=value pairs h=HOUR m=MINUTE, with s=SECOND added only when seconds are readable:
h=1 m=49
